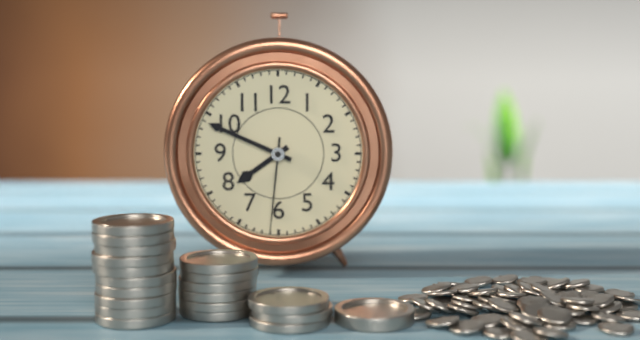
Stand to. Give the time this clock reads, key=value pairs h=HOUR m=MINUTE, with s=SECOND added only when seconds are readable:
h=7 m=49 s=31
